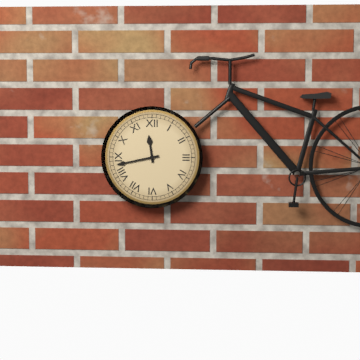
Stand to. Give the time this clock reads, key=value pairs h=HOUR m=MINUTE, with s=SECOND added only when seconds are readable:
h=11 m=43
